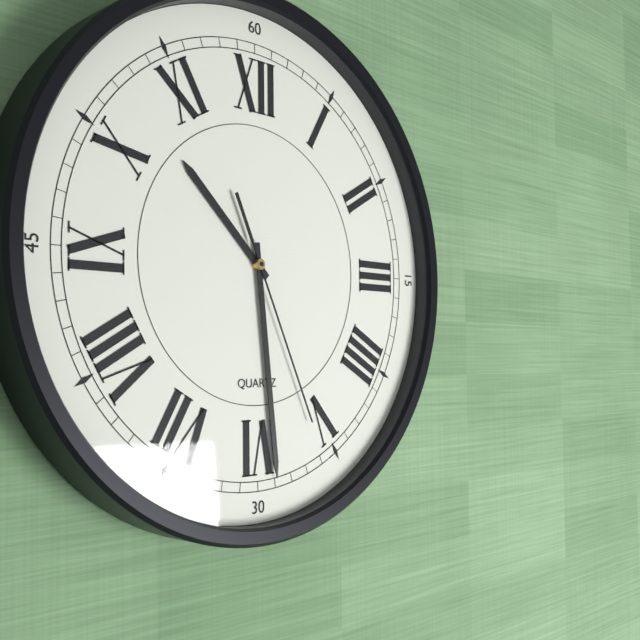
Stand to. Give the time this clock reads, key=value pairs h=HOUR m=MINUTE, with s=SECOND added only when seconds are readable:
h=10 m=29 s=26
